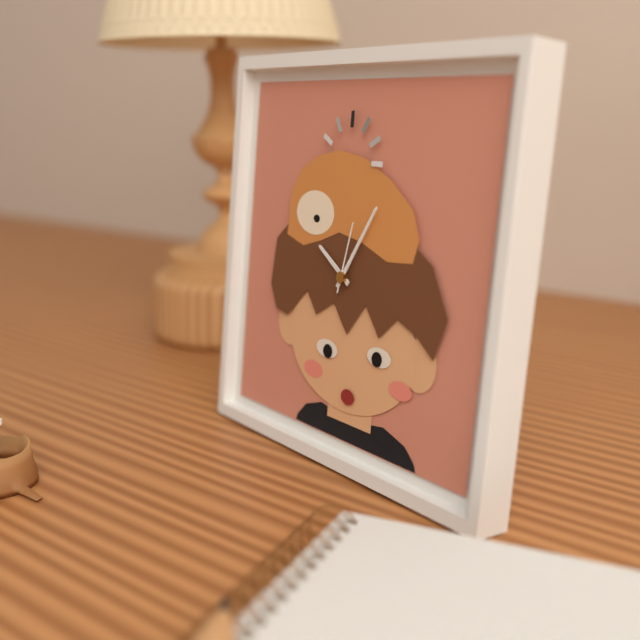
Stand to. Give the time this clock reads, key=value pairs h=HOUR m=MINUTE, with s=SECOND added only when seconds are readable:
h=10 m=5 s=2
